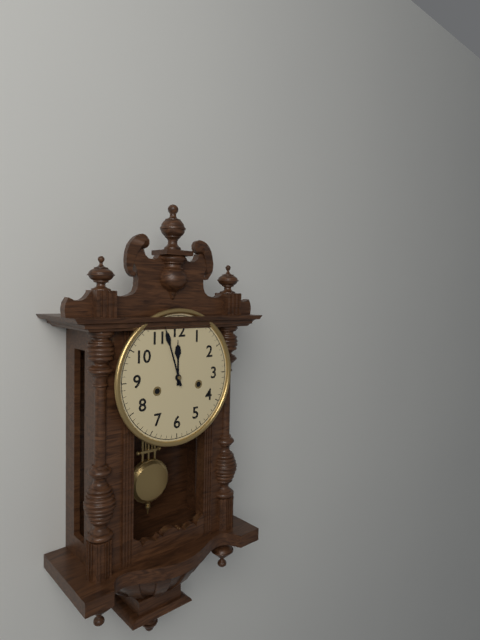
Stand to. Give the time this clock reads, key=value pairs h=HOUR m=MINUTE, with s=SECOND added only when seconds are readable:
h=11 m=57
